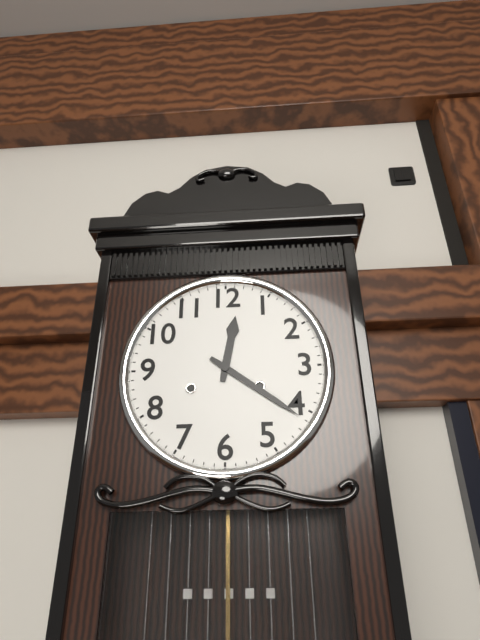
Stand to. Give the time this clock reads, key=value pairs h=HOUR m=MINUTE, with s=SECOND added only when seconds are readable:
h=12 m=21
